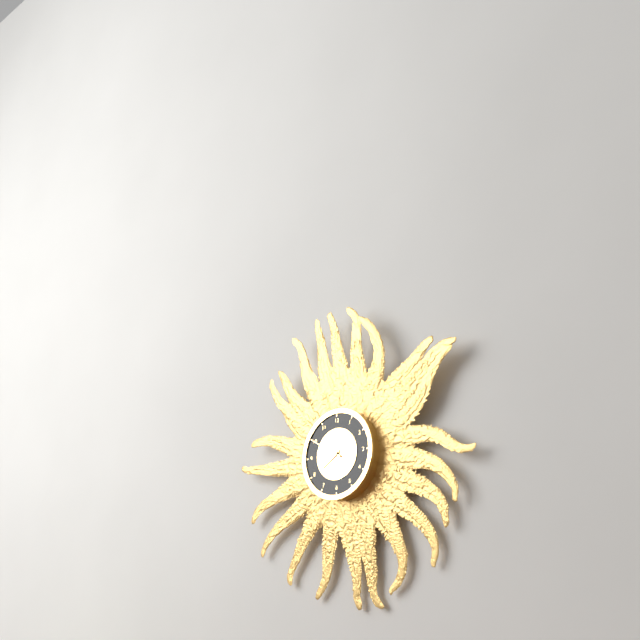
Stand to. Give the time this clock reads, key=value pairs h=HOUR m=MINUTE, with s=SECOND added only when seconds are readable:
h=7 m=50
